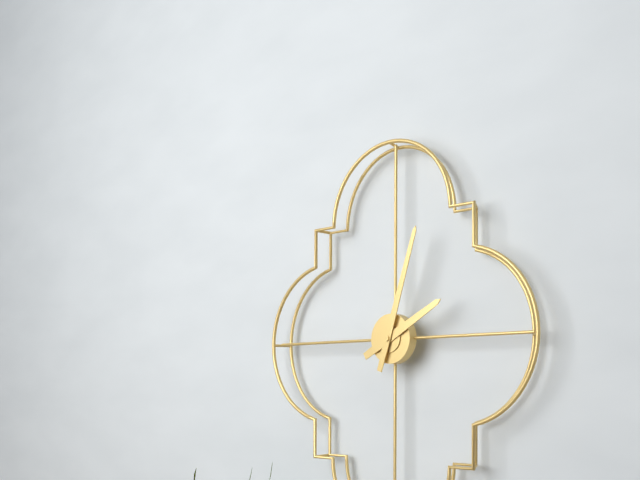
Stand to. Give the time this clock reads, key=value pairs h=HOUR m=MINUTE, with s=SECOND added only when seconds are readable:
h=2 m=3
